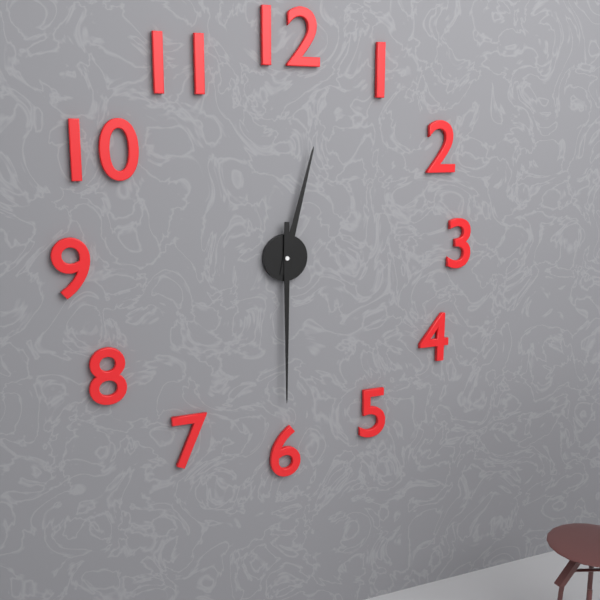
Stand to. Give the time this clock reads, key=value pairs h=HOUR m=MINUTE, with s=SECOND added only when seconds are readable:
h=12 m=30
